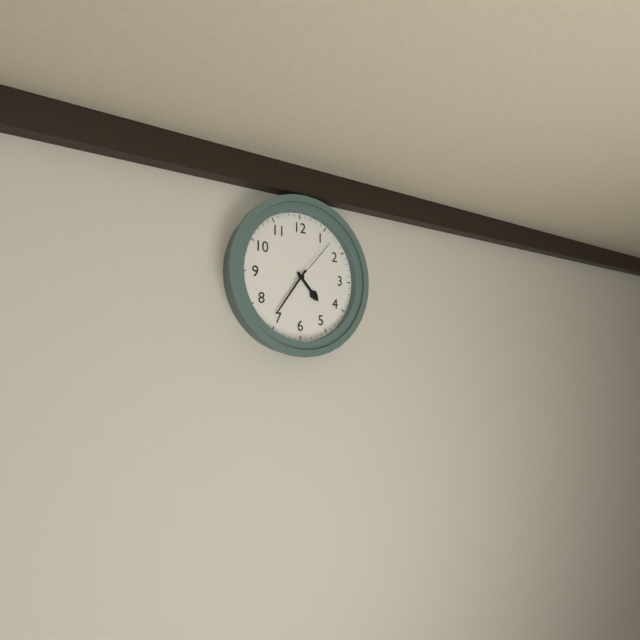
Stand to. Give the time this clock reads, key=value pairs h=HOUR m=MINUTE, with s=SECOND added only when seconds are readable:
h=4 m=36 s=7
